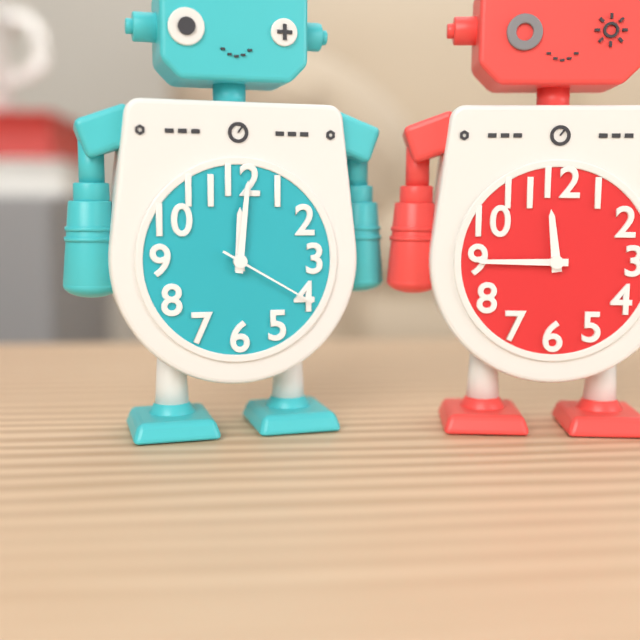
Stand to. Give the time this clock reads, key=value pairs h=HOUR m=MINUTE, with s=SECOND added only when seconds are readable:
h=12 m=1 s=20
